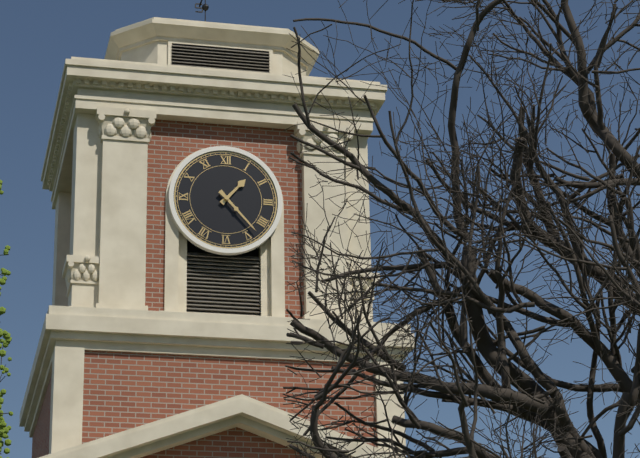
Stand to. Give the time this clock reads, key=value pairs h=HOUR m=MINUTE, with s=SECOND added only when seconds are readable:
h=1 m=23
